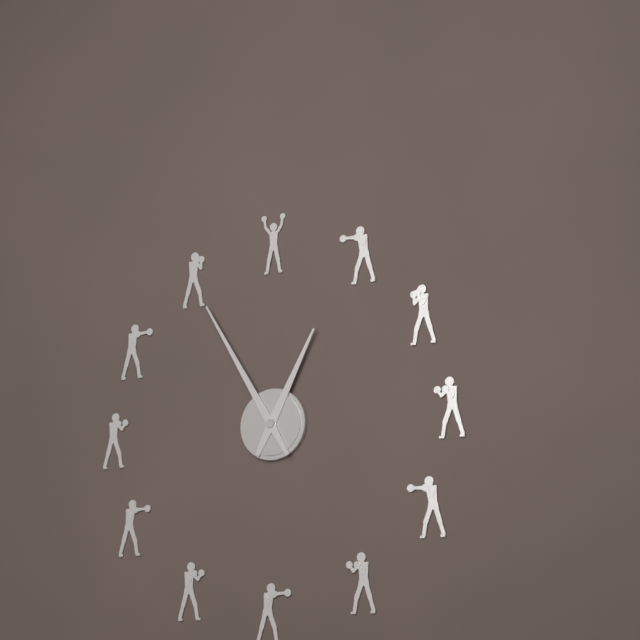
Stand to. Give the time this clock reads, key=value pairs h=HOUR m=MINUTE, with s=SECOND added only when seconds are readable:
h=12 m=55
